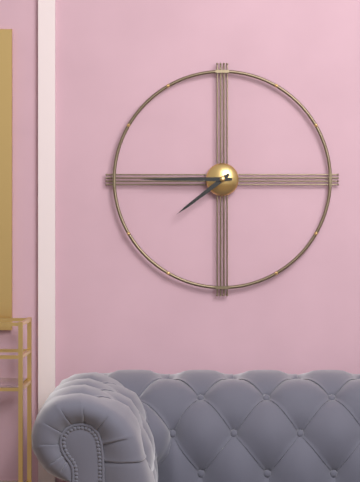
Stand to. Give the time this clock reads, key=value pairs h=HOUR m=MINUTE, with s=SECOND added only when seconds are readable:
h=7 m=45
